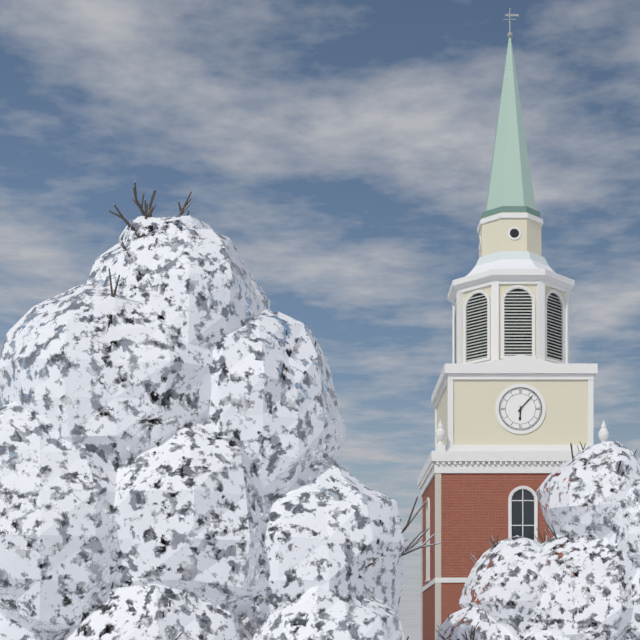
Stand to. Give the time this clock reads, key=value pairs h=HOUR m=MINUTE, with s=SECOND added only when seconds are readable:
h=6 m=7
